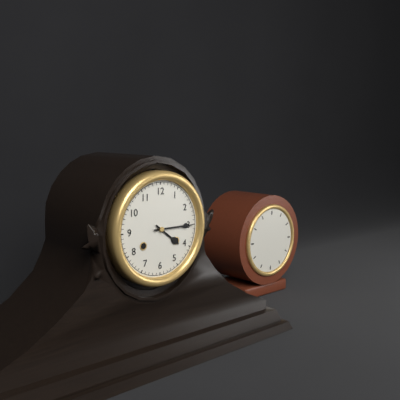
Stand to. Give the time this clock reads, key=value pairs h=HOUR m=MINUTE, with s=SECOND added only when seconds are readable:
h=4 m=15
